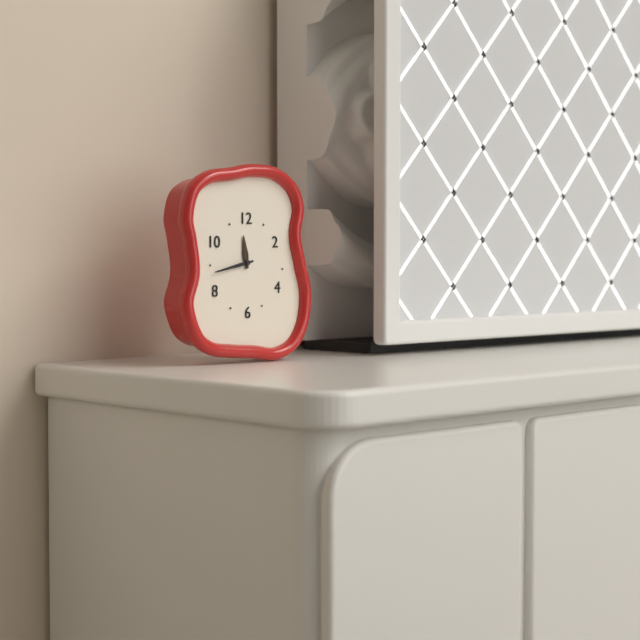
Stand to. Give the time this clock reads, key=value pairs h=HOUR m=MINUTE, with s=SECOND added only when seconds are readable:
h=11 m=43
